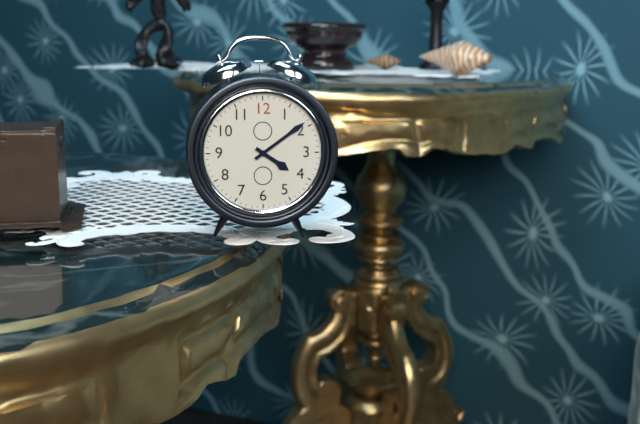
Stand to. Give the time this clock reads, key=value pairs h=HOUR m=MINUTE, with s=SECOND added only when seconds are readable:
h=4 m=9
